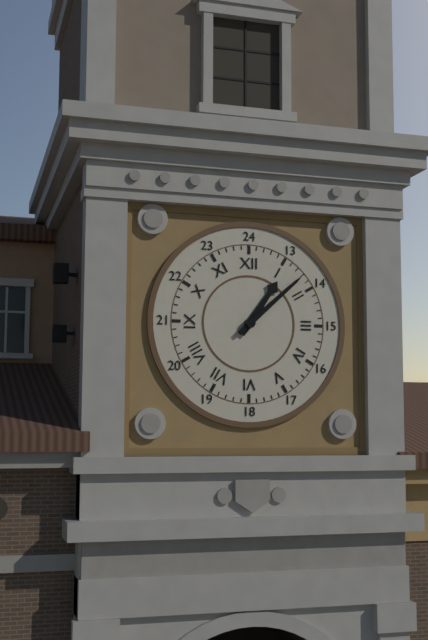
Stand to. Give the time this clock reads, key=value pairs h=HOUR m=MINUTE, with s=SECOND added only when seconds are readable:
h=1 m=8
